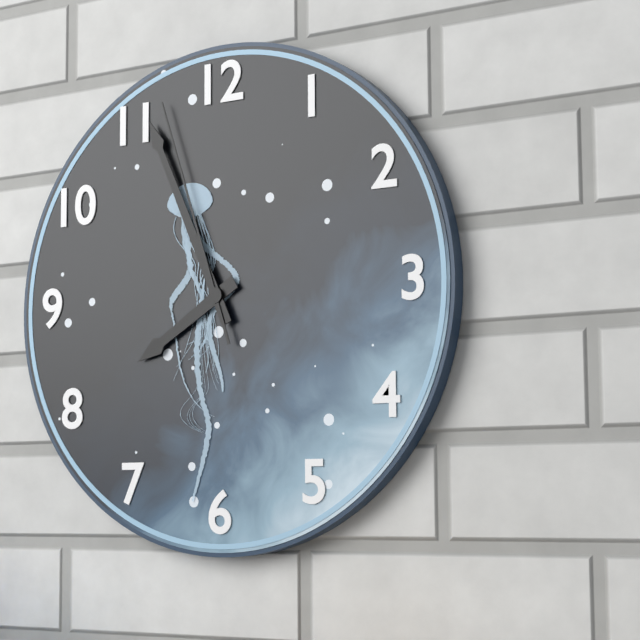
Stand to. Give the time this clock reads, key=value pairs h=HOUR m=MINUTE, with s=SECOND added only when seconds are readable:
h=7 m=56 s=57
